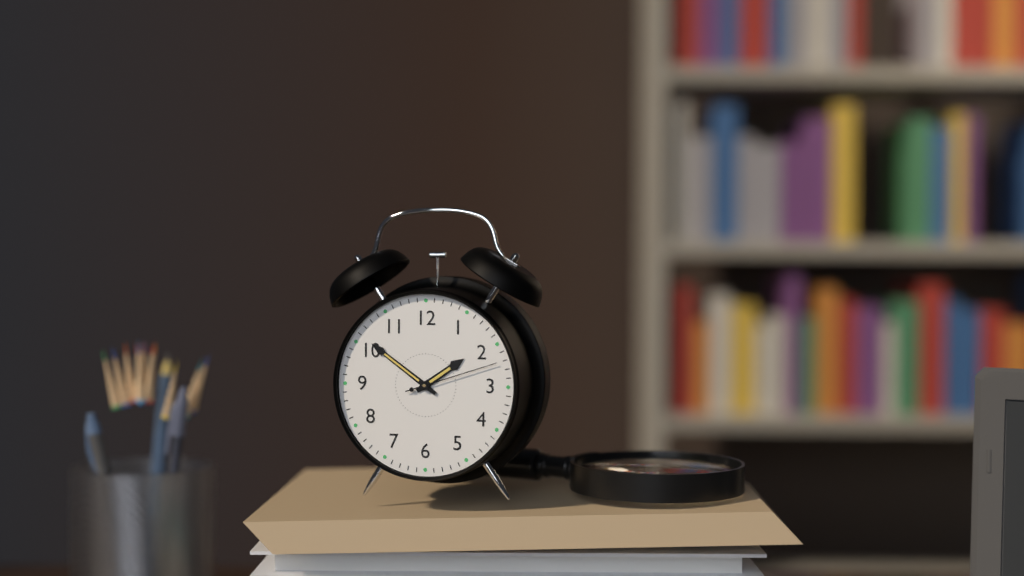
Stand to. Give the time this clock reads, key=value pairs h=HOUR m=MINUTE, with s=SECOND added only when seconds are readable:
h=1 m=51 s=12
